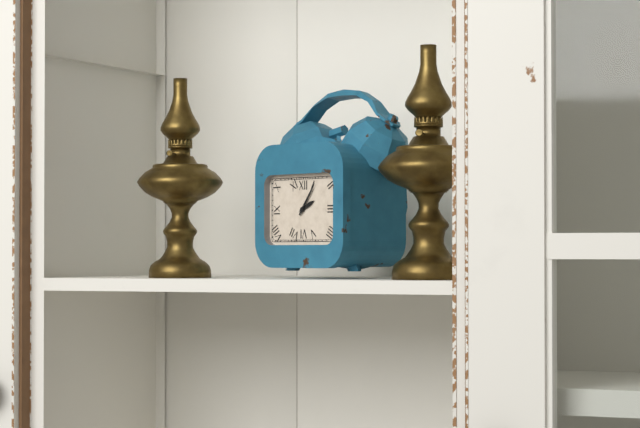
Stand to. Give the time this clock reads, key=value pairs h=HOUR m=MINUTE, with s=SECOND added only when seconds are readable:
h=2 m=6
